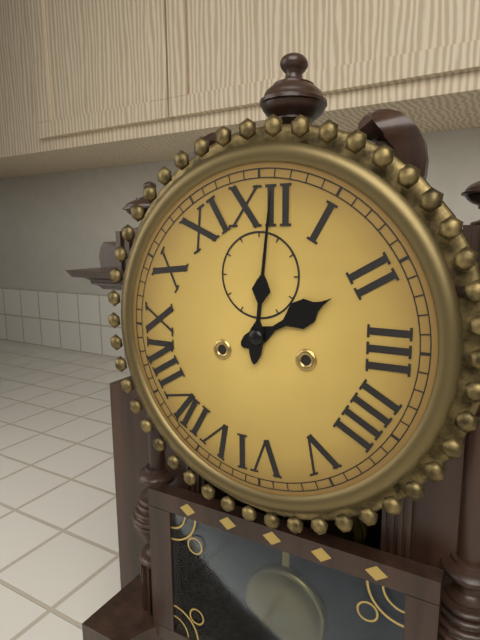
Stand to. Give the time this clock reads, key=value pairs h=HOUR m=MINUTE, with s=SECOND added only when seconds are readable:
h=2 m=1
